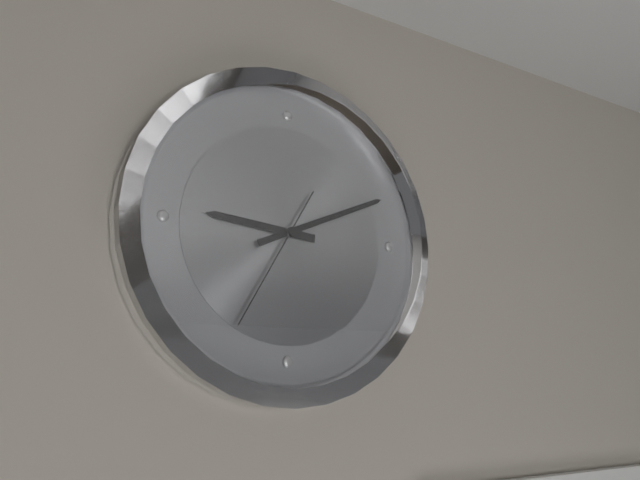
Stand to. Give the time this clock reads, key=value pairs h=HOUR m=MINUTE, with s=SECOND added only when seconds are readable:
h=9 m=11 s=35
